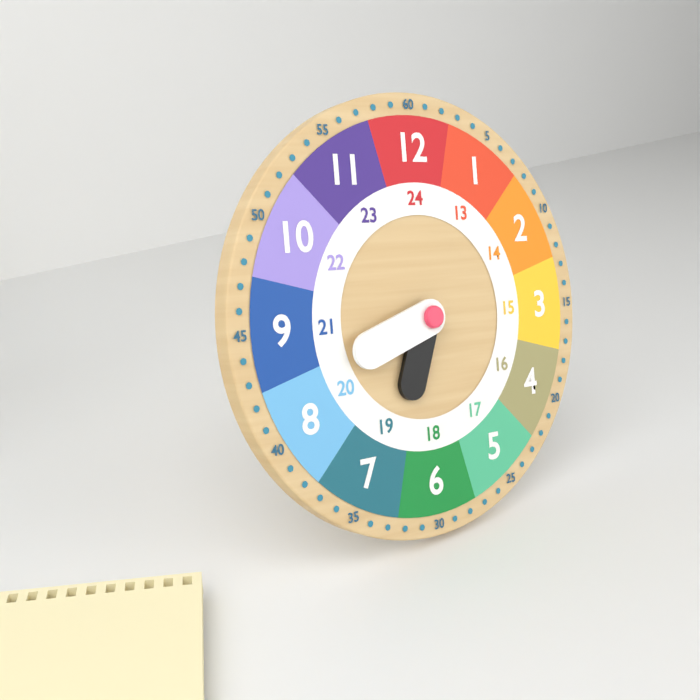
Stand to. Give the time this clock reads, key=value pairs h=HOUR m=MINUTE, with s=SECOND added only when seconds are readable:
h=6 m=42
